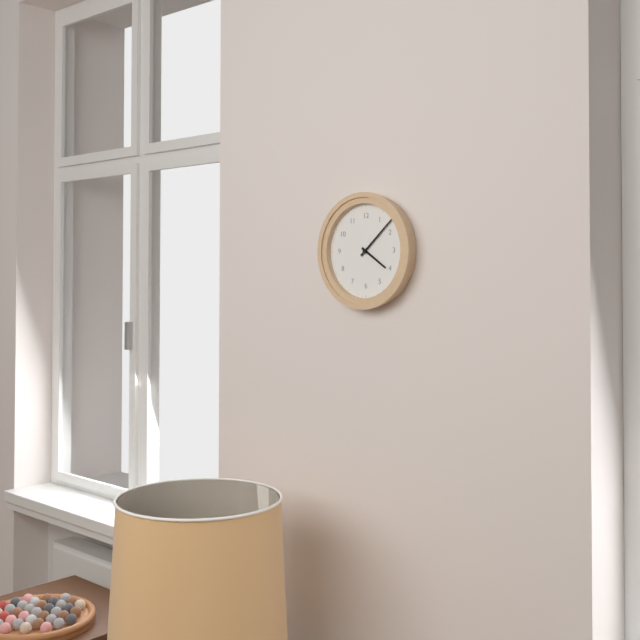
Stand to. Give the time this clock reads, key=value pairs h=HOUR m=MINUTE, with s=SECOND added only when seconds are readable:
h=4 m=8
